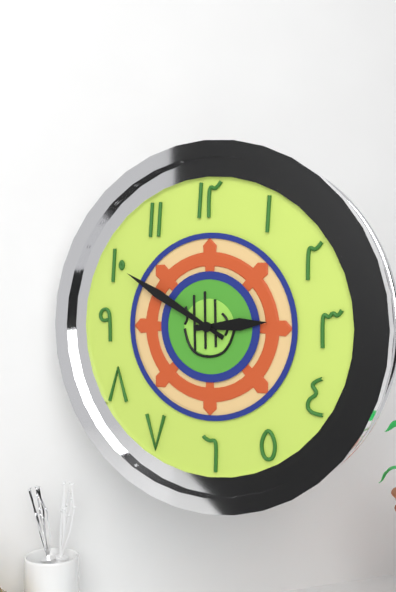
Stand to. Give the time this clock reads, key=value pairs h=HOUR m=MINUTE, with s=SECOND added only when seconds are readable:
h=2 m=50
